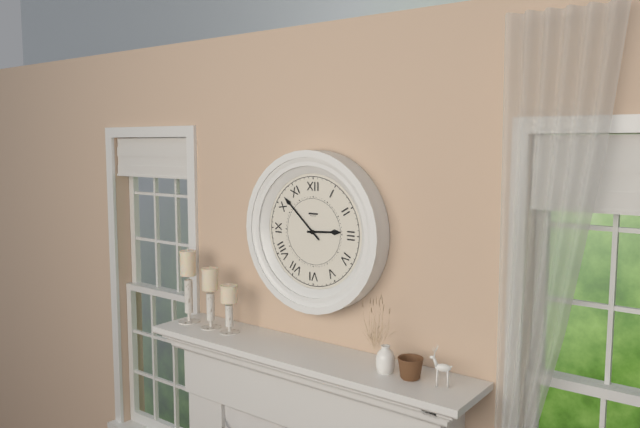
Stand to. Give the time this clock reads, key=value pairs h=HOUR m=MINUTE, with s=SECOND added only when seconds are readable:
h=2 m=52
